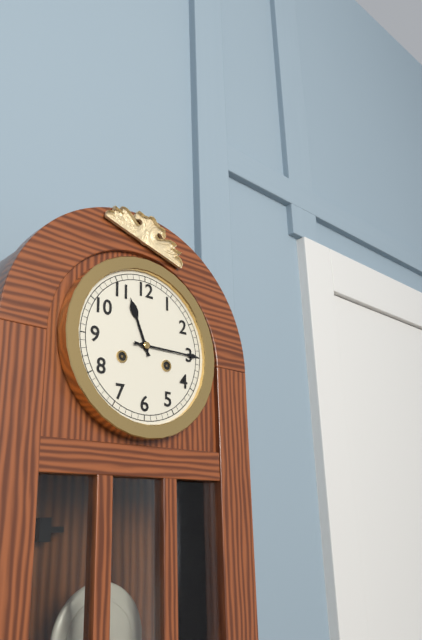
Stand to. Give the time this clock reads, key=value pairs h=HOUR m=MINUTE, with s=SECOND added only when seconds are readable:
h=11 m=15
